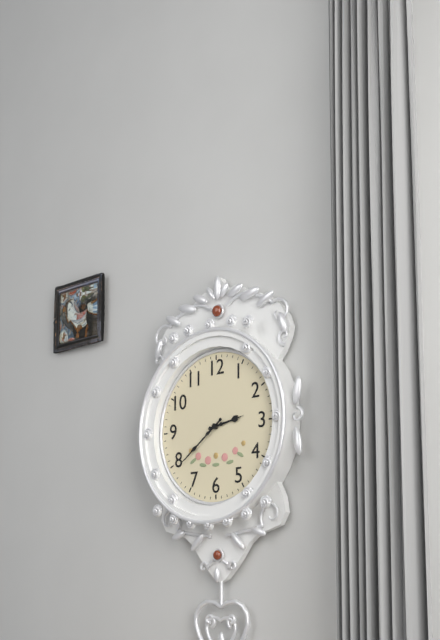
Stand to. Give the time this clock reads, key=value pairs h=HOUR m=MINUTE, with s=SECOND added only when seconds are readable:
h=2 m=39
